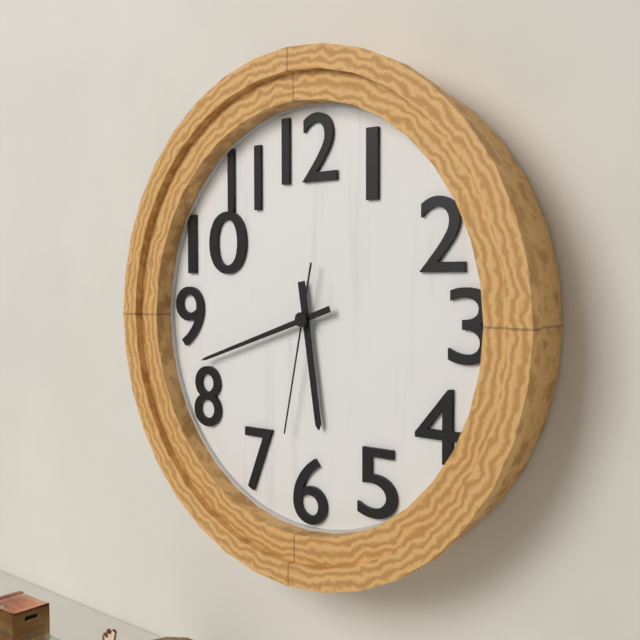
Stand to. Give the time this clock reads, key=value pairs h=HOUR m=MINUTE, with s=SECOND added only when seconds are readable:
h=5 m=42 s=32
